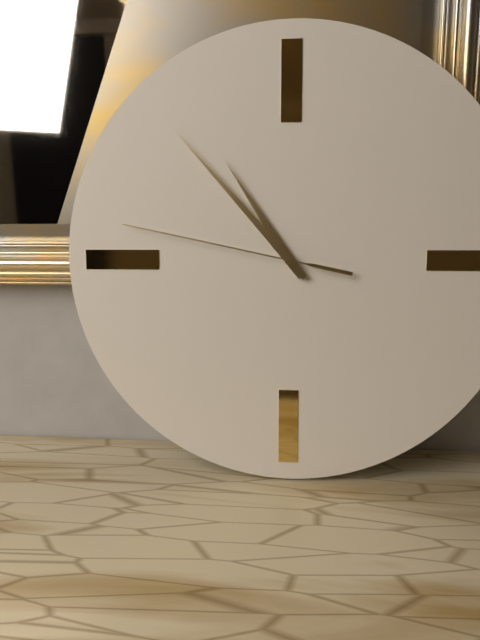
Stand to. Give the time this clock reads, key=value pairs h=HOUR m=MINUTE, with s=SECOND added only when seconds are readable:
h=10 m=53 s=47
